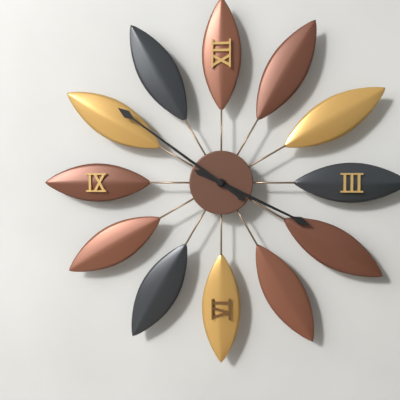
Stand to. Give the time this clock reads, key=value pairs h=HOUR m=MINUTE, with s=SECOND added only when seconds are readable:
h=3 m=51
